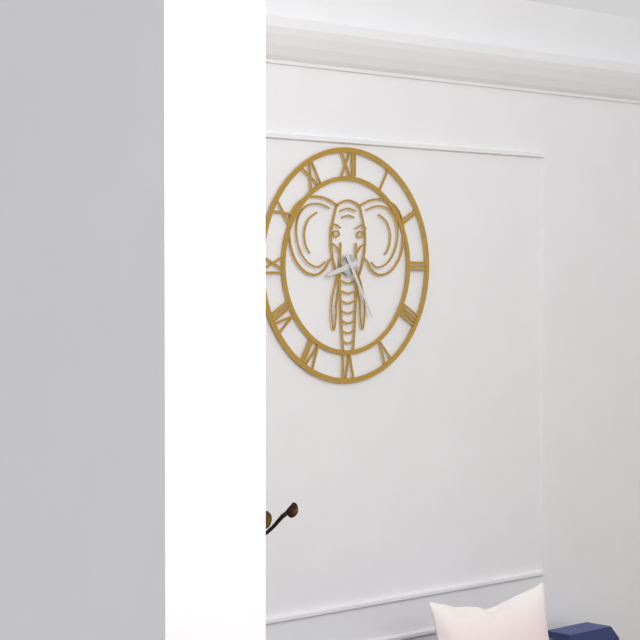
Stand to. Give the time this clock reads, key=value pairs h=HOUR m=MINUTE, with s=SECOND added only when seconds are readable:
h=8 m=25
